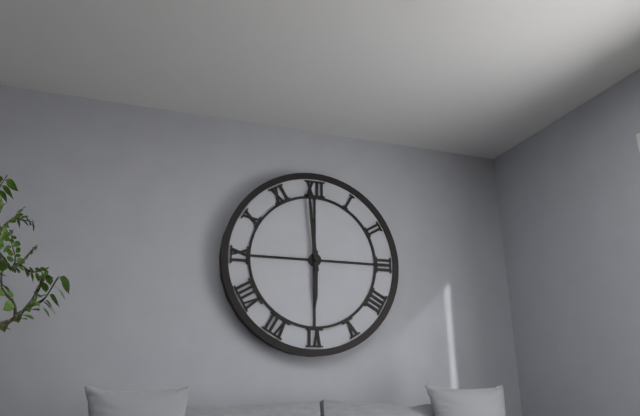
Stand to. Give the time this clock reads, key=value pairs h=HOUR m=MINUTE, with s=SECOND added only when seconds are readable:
h=5 m=59
